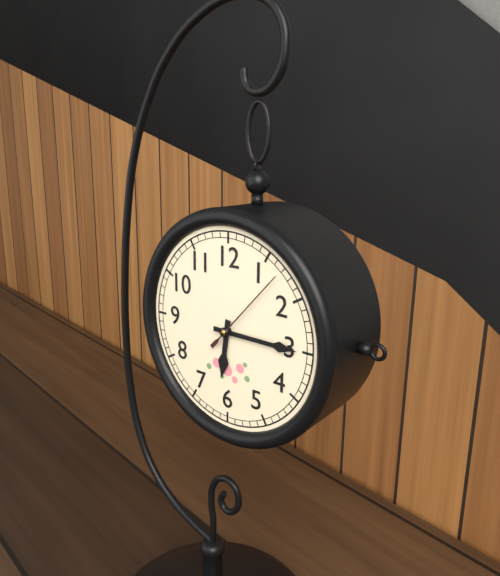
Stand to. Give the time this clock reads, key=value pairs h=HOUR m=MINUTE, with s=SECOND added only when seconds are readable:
h=6 m=15 s=7
